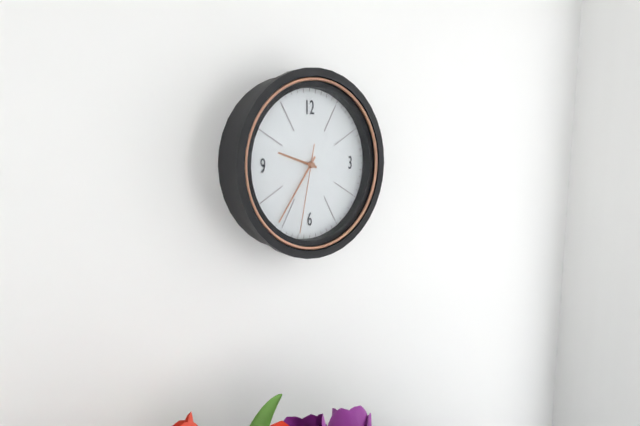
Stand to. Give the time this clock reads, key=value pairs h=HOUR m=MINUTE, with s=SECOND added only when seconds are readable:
h=9 m=36 s=32
